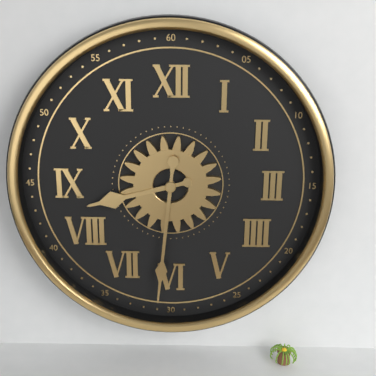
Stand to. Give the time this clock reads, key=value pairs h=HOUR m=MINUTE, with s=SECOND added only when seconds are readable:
h=8 m=31
